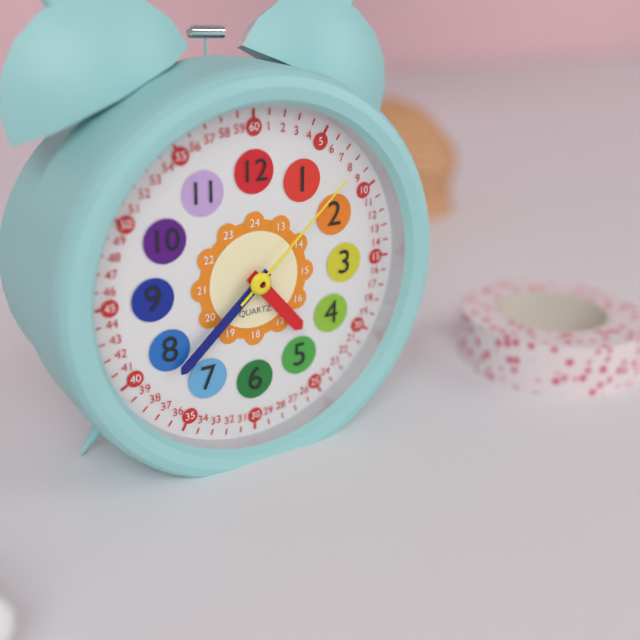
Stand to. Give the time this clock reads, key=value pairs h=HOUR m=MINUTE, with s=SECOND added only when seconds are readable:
h=4 m=38 s=8
